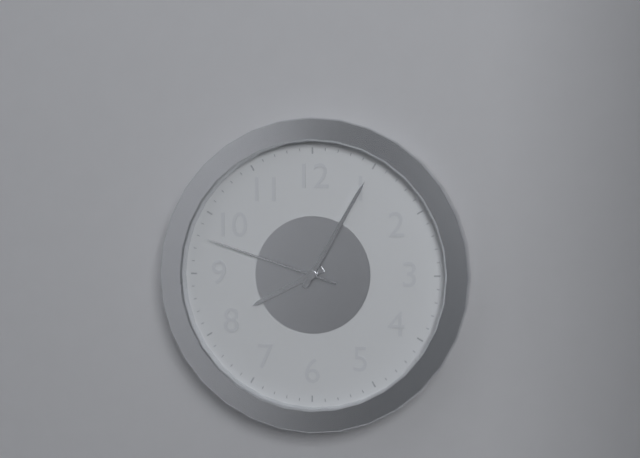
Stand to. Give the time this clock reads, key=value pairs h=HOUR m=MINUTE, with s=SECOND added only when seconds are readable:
h=8 m=5 s=48
